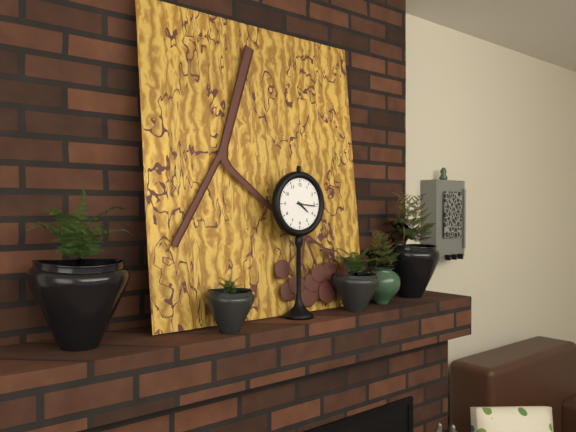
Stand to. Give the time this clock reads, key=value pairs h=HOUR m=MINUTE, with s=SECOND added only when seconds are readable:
h=4 m=16
